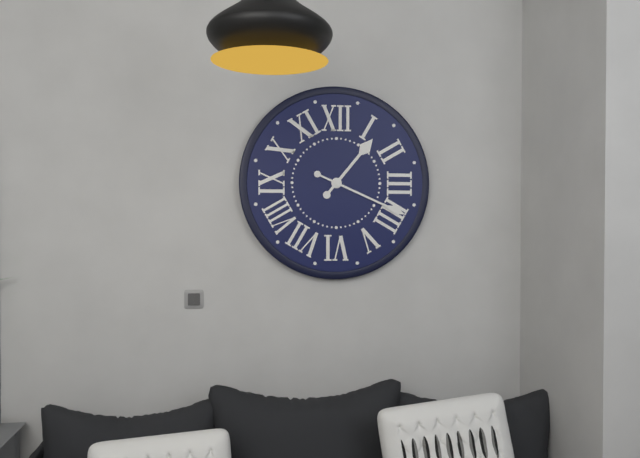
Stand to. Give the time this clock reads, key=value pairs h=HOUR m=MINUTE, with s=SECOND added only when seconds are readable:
h=1 m=19
